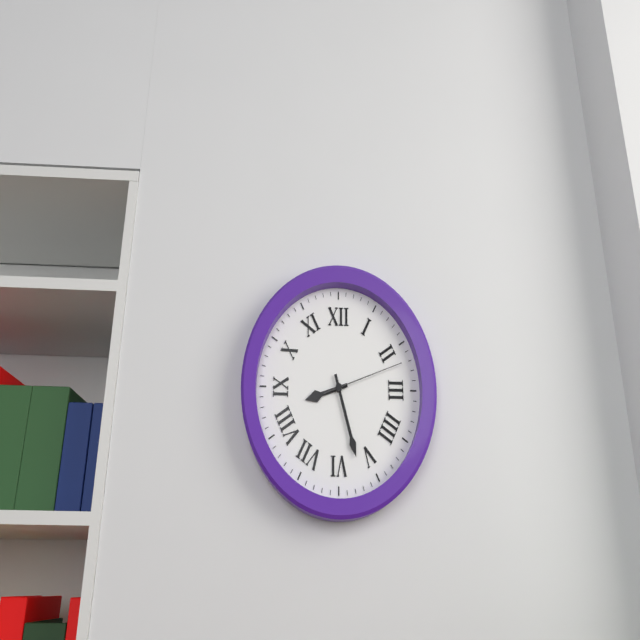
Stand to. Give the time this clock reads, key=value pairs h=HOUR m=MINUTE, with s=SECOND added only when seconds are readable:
h=8 m=27 s=12
